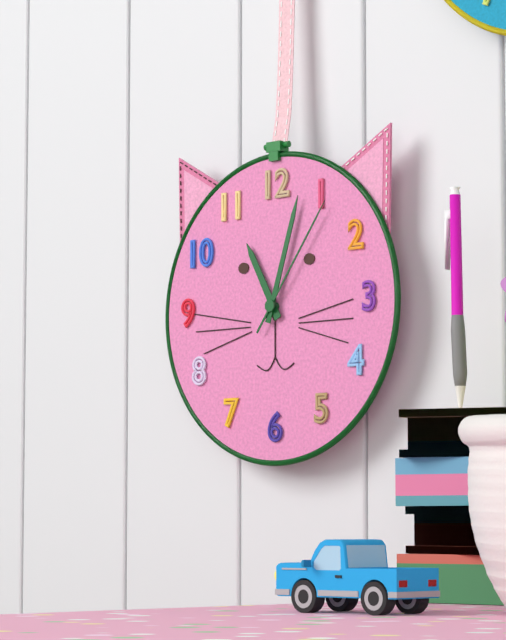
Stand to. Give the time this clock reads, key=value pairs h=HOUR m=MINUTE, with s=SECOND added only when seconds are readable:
h=11 m=3 s=6
